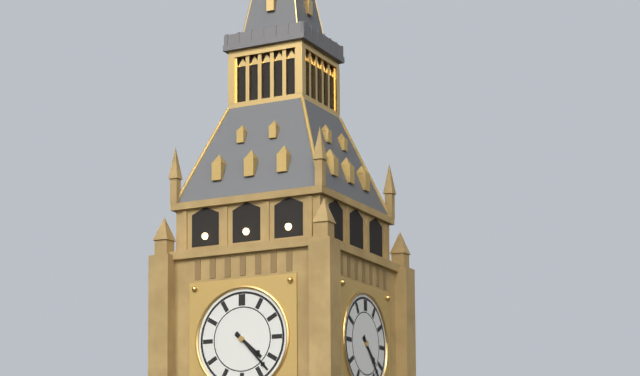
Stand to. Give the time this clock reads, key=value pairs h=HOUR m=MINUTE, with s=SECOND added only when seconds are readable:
h=4 m=23
